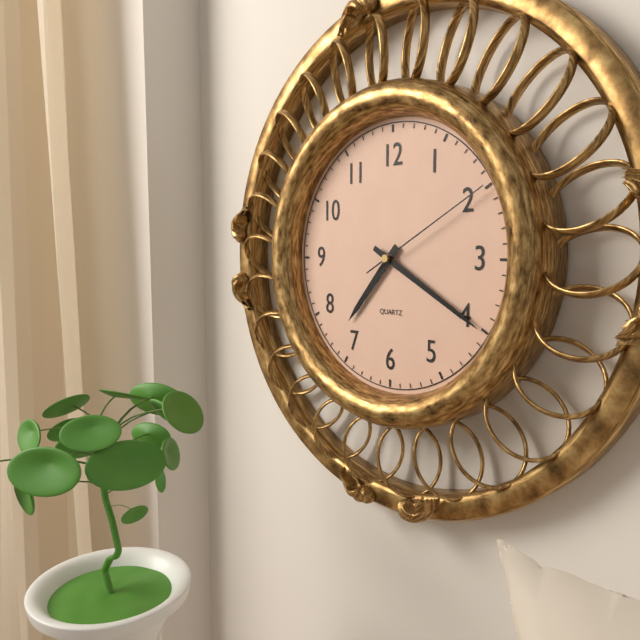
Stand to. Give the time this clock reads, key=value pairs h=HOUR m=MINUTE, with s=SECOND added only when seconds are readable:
h=7 m=20 s=10
